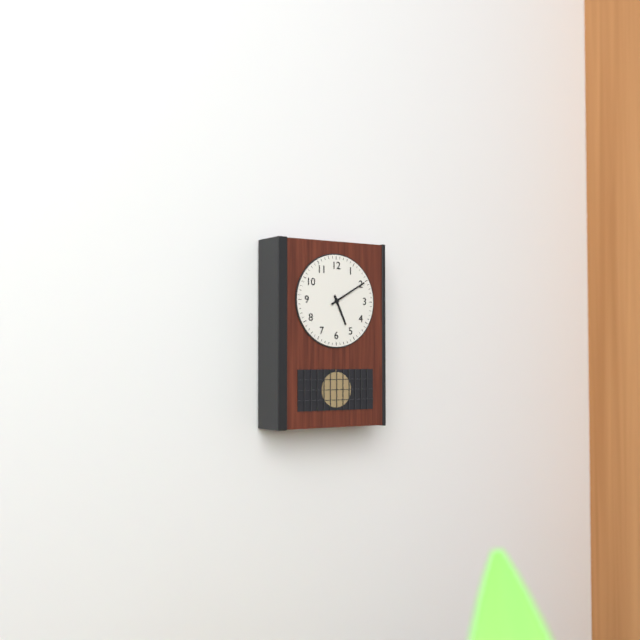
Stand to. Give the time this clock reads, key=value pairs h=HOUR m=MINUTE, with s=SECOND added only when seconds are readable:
h=5 m=10
